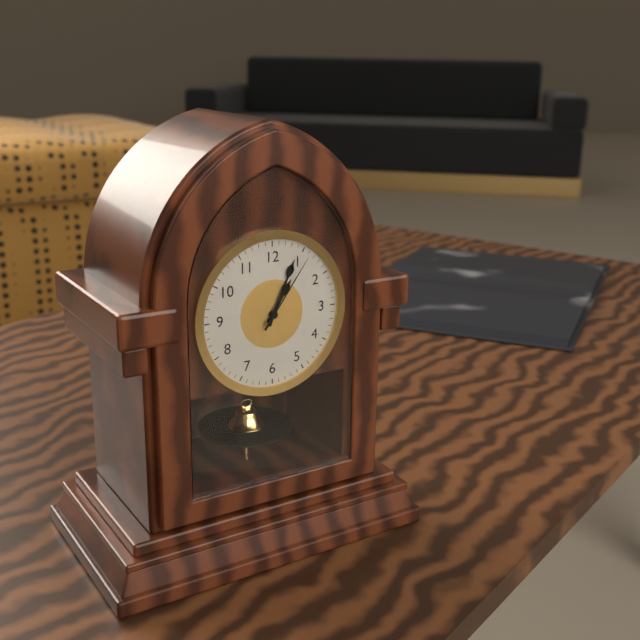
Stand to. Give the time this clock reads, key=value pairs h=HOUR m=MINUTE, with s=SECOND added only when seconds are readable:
h=1 m=4 s=6
